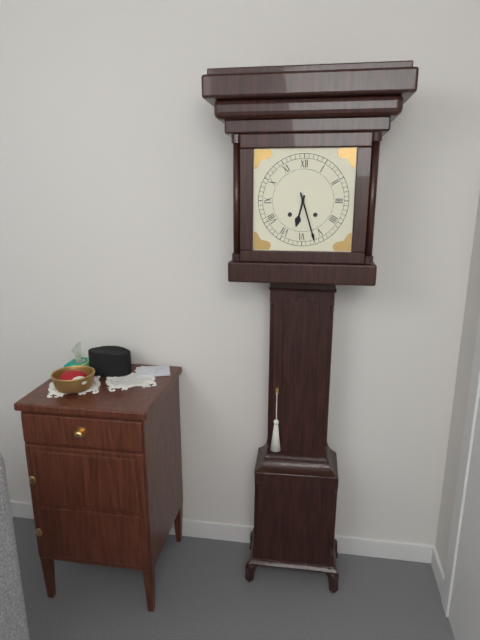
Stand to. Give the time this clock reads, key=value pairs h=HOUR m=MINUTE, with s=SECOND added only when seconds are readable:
h=6 m=27
